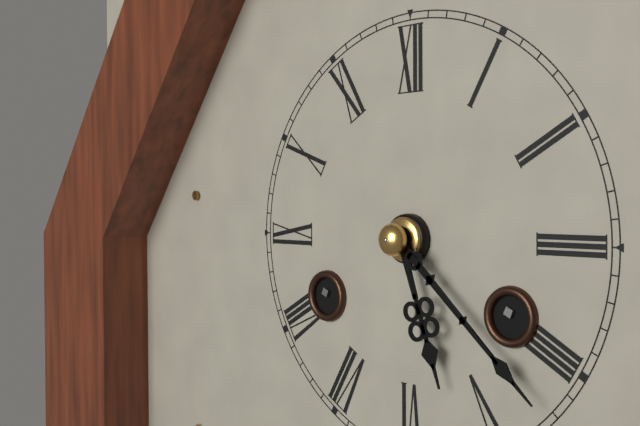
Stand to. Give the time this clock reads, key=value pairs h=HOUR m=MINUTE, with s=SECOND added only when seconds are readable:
h=5 m=22
